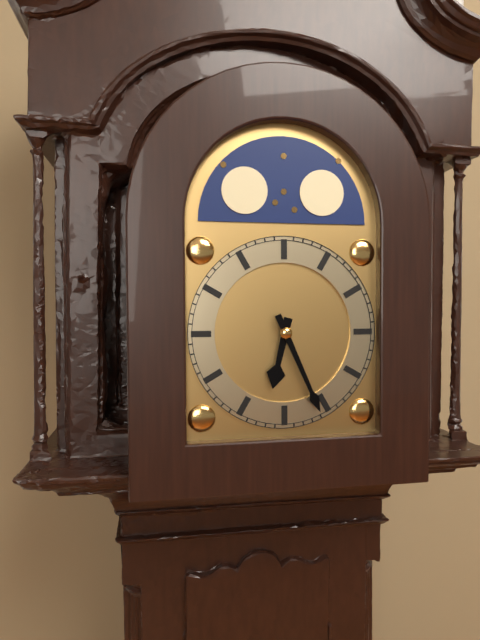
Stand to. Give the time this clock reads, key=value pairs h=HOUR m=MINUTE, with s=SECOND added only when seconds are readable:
h=6 m=26
